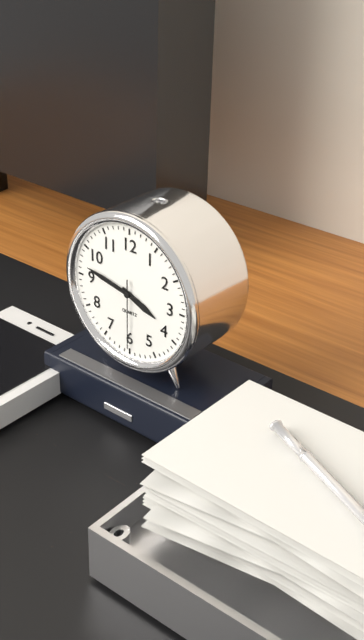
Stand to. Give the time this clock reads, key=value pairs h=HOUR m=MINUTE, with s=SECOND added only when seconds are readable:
h=3 m=47 s=30
